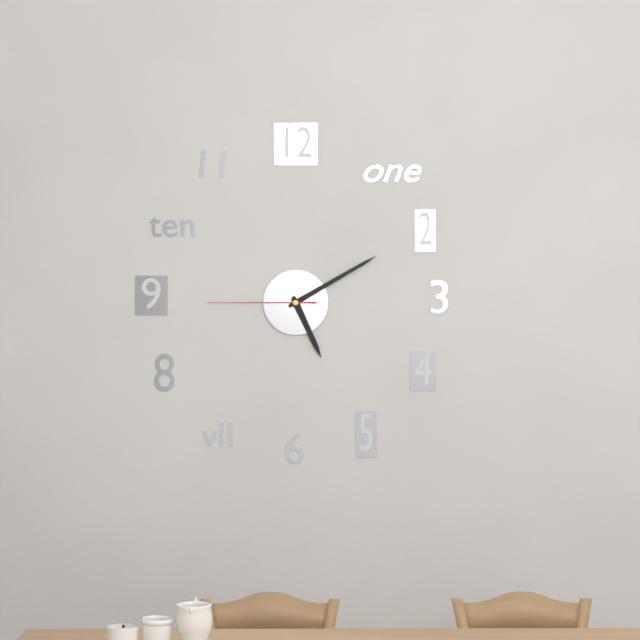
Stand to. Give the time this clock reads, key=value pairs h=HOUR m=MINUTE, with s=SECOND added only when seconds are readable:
h=5 m=10 s=45
